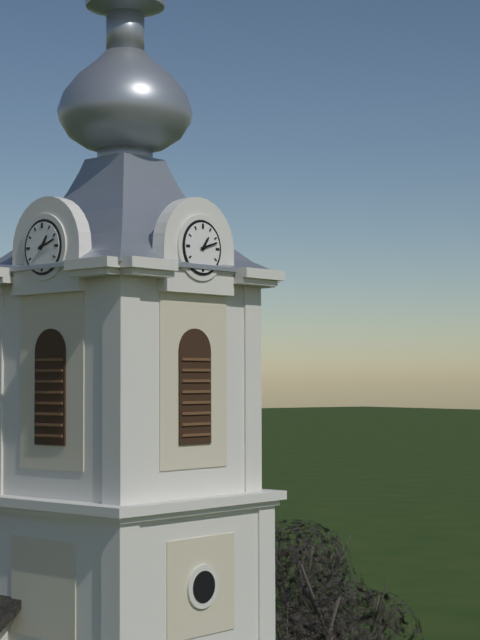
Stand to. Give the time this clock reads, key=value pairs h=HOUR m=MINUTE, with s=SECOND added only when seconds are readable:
h=1 m=12
